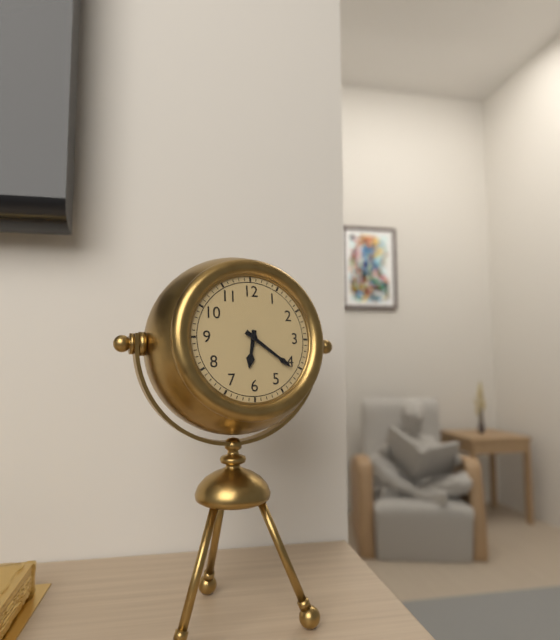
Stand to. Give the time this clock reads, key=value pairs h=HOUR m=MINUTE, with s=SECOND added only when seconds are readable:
h=6 m=21
